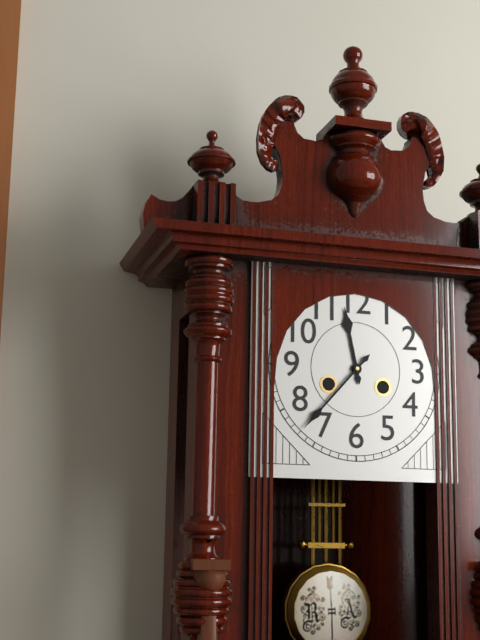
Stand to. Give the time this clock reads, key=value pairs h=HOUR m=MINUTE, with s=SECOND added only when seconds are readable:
h=11 m=37
